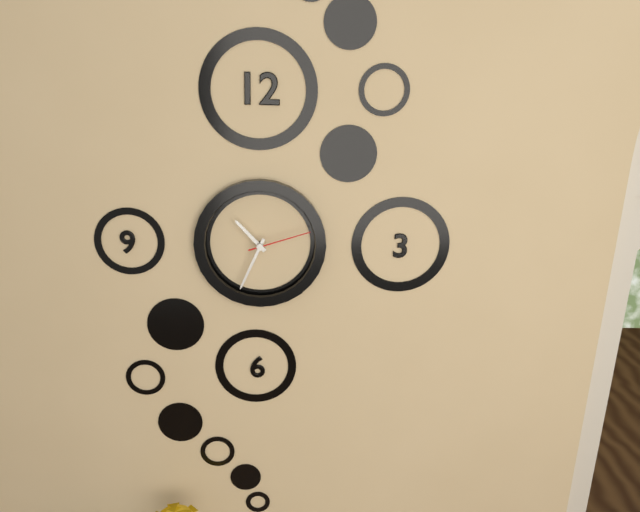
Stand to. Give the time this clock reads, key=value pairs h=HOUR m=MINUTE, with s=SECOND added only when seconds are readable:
h=10 m=34 s=12
